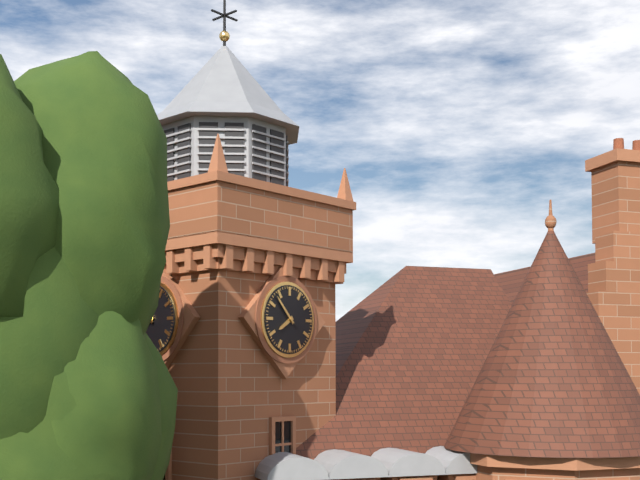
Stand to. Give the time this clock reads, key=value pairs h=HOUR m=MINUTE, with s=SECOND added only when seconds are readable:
h=7 m=53
